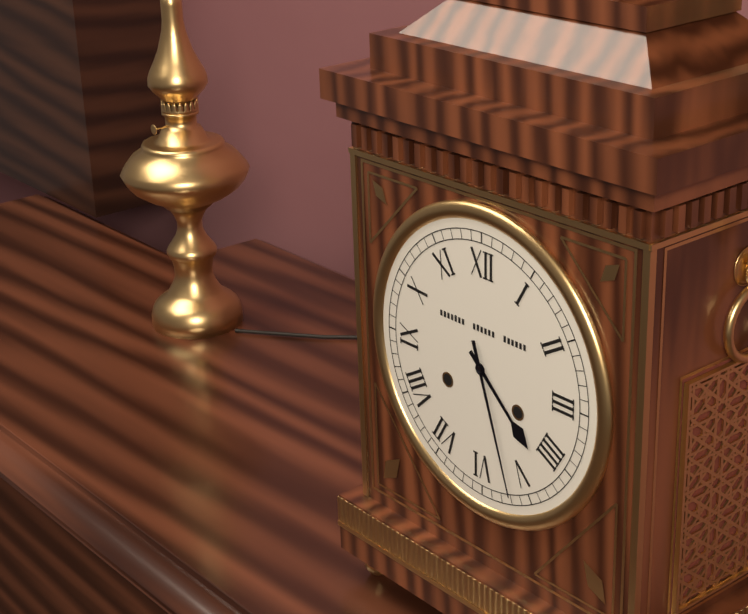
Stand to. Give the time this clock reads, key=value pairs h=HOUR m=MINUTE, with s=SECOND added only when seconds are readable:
h=4 m=27
